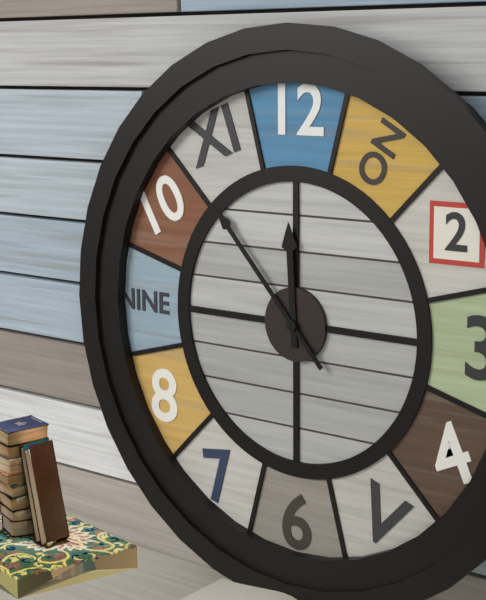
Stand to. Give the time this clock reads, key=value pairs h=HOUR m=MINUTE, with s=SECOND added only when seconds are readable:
h=11 m=53
